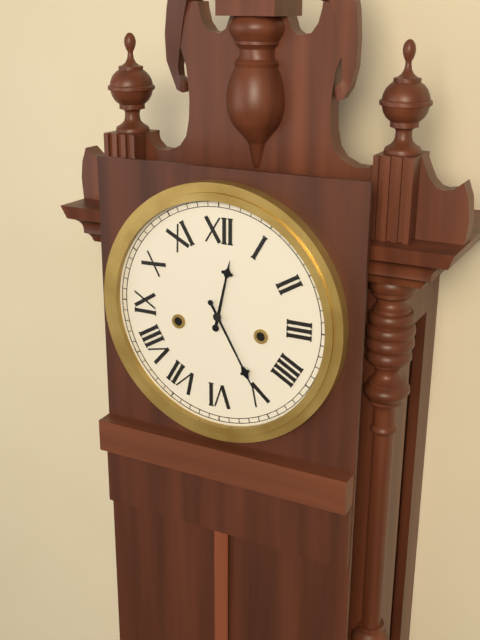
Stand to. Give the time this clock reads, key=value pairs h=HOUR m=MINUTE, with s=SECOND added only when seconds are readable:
h=12 m=25
